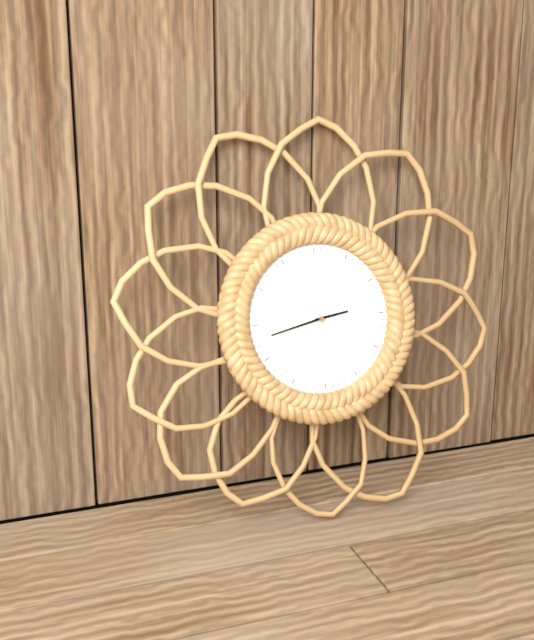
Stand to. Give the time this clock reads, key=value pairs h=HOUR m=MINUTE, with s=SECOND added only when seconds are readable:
h=2 m=43
